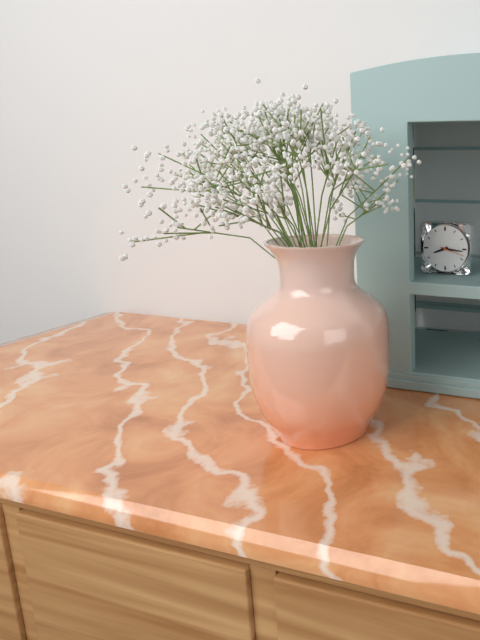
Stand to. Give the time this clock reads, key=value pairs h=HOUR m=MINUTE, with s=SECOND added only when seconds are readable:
h=8 m=16
